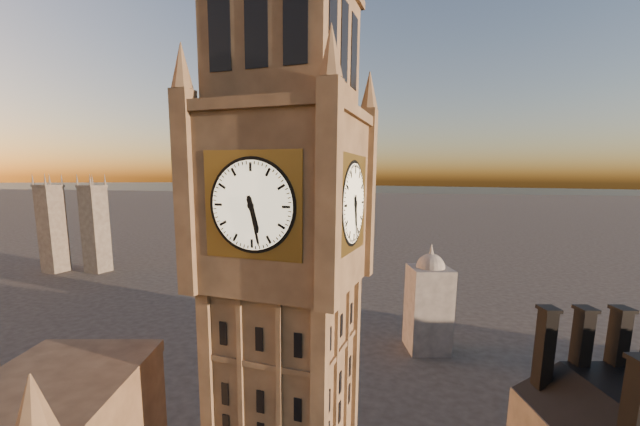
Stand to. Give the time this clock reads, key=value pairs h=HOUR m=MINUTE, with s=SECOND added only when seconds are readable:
h=5 m=28
